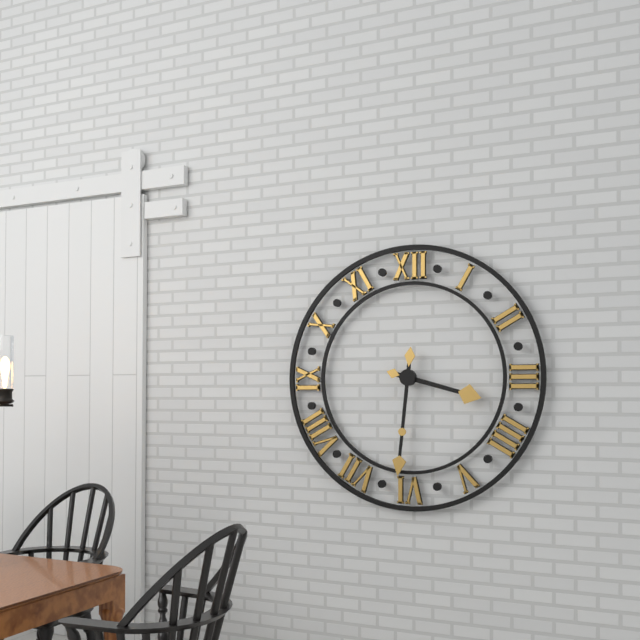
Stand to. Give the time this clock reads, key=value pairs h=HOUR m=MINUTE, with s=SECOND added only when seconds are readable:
h=3 m=31
